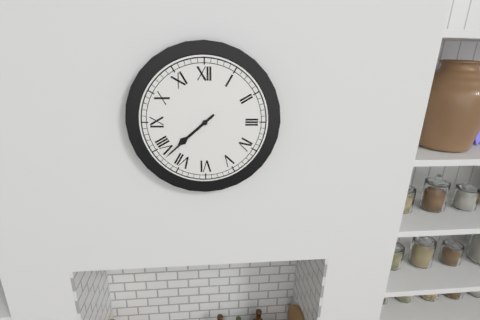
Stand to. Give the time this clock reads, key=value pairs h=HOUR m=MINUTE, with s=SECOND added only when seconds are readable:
h=7 m=38
